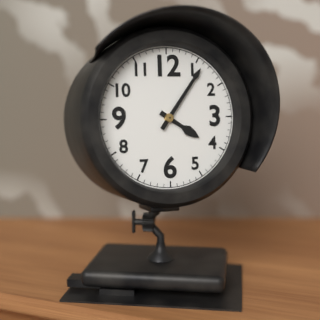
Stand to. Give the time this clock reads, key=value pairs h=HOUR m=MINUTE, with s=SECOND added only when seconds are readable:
h=4 m=6
